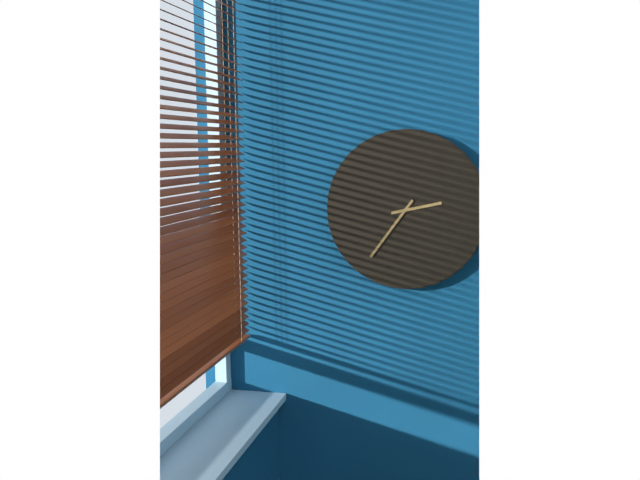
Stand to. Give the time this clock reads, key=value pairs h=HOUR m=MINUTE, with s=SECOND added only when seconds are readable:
h=2 m=36
